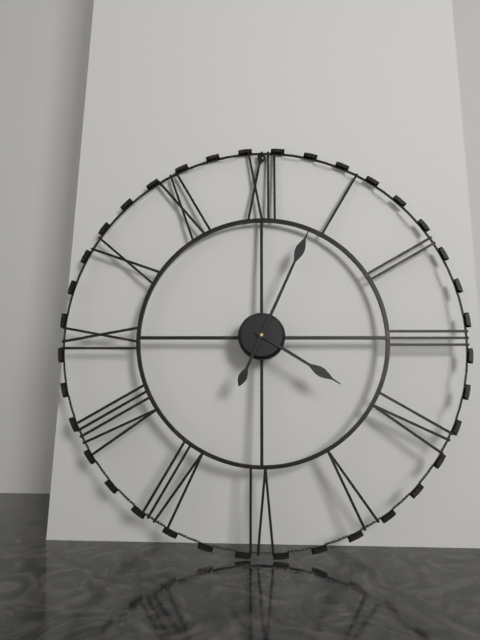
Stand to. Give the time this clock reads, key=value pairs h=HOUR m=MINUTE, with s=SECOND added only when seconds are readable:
h=4 m=4
